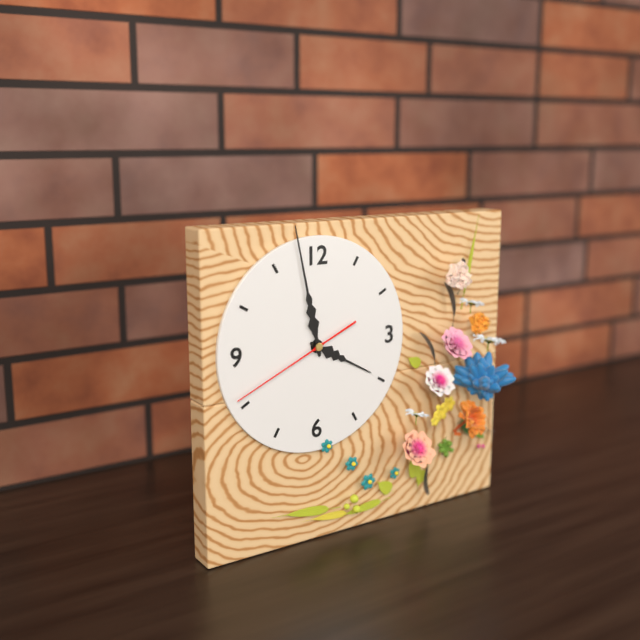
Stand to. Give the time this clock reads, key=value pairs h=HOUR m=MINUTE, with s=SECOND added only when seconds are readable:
h=3 m=58 s=41
